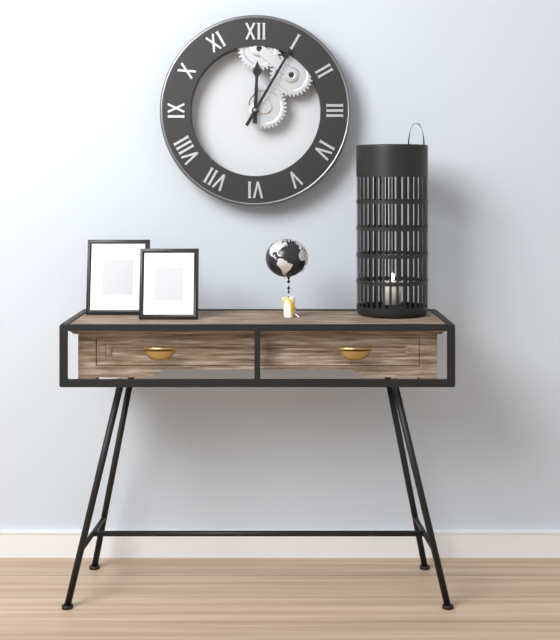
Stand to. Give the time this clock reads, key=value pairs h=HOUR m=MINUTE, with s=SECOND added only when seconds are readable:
h=12 m=5
